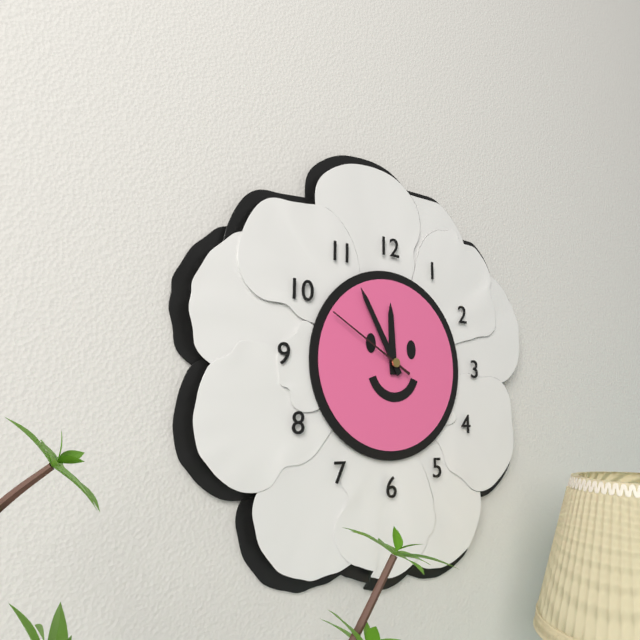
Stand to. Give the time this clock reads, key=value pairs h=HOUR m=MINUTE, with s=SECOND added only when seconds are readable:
h=11 m=55 s=50
